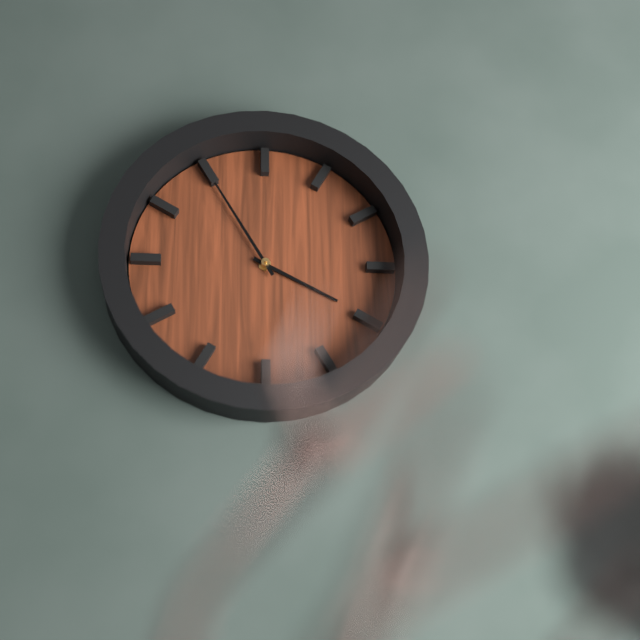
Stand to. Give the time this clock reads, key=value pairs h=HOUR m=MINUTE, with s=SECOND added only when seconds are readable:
h=3 m=55
